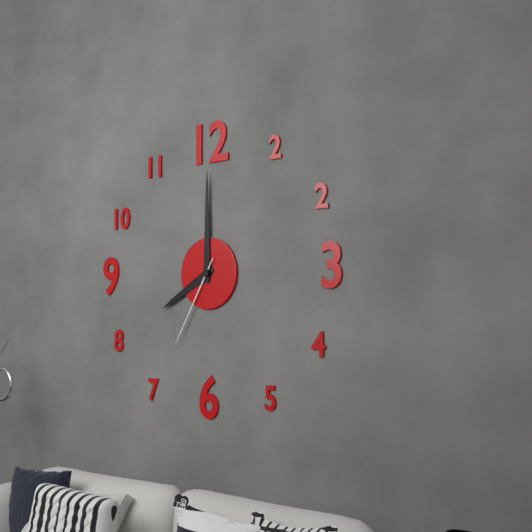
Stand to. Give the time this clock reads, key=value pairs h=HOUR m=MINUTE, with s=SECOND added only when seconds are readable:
h=8 m=0 s=35
